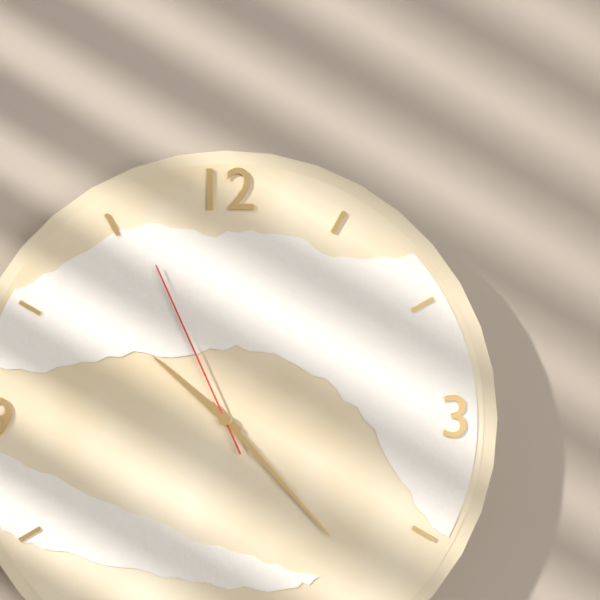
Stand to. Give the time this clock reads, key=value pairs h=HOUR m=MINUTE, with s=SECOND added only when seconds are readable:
h=10 m=23 s=56
